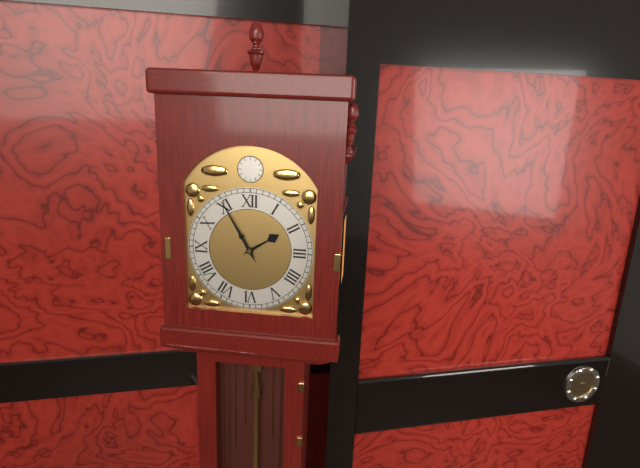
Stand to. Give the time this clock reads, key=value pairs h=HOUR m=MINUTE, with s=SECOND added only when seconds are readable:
h=1 m=55
